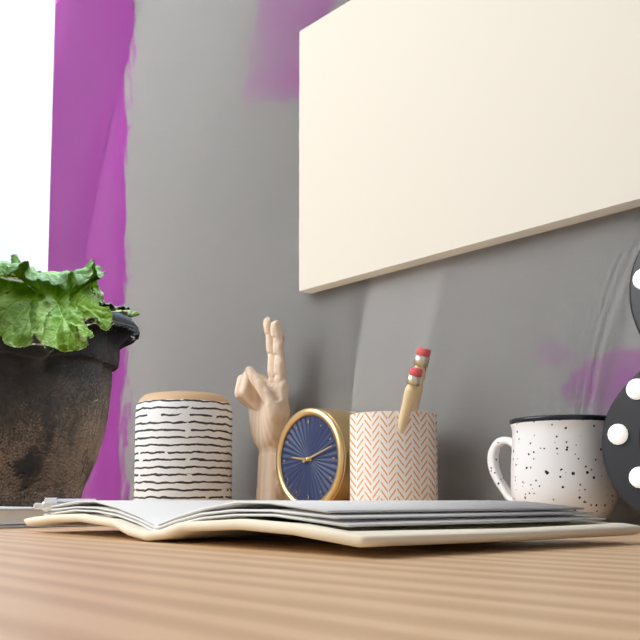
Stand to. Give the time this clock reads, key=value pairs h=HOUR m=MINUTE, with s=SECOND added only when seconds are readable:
h=9 m=12
